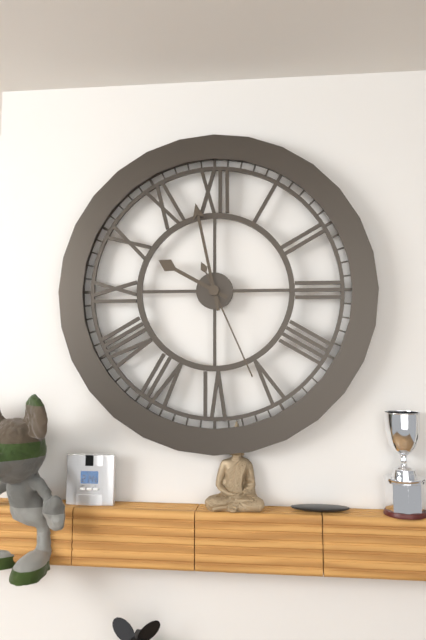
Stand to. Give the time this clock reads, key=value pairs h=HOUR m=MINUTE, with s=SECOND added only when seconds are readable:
h=9 m=58 s=26
